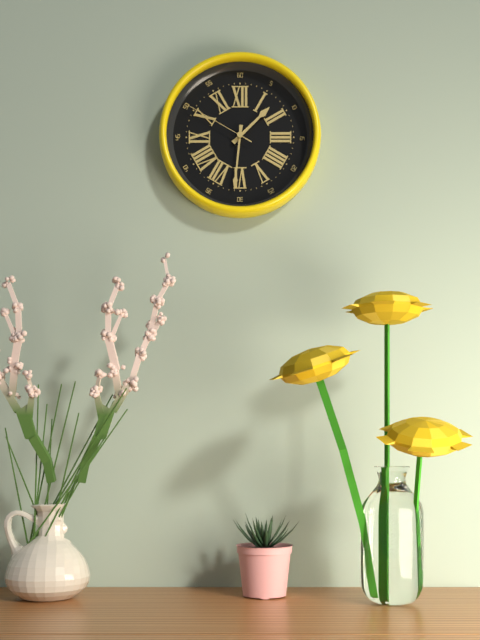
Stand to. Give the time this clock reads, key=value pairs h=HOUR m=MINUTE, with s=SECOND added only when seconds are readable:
h=1 m=31 s=50
